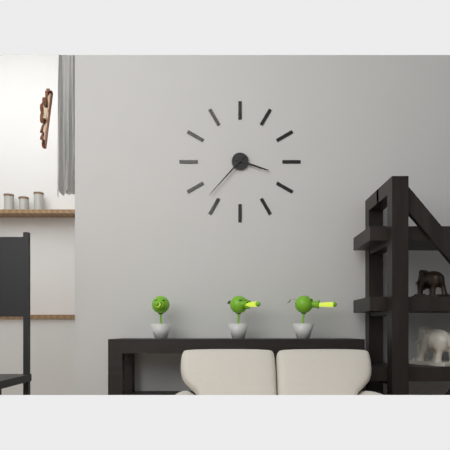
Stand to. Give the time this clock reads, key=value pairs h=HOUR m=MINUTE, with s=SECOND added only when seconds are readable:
h=3 m=37
